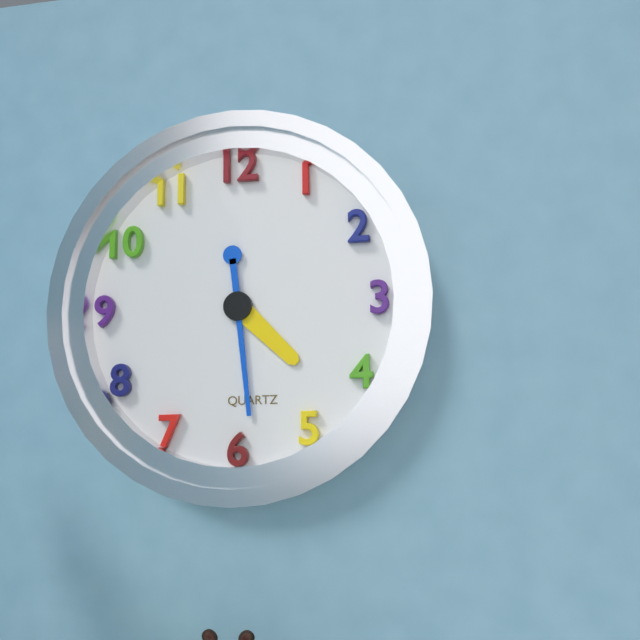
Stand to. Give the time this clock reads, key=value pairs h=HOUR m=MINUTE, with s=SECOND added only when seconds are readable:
h=4 m=29
